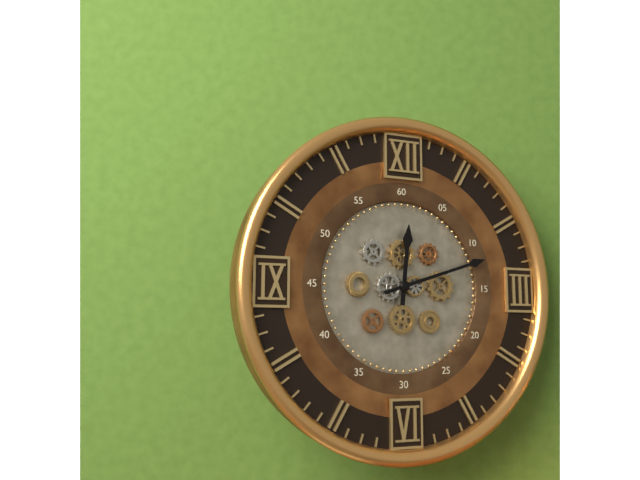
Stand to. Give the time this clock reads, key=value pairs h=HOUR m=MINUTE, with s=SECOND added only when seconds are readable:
h=12 m=12
